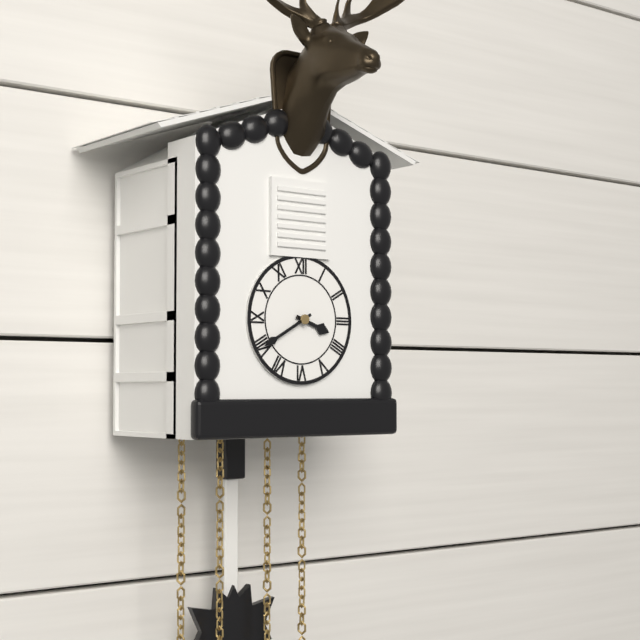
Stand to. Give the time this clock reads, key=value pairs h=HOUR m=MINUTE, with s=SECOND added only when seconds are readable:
h=3 m=40
